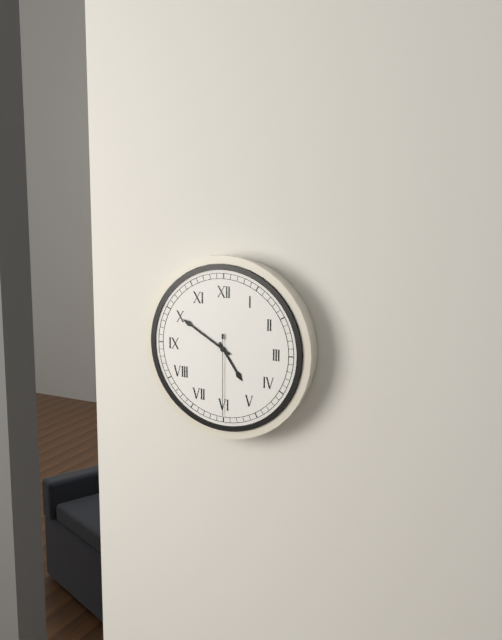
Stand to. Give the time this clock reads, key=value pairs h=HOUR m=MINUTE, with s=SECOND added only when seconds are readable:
h=4 m=50 s=30
